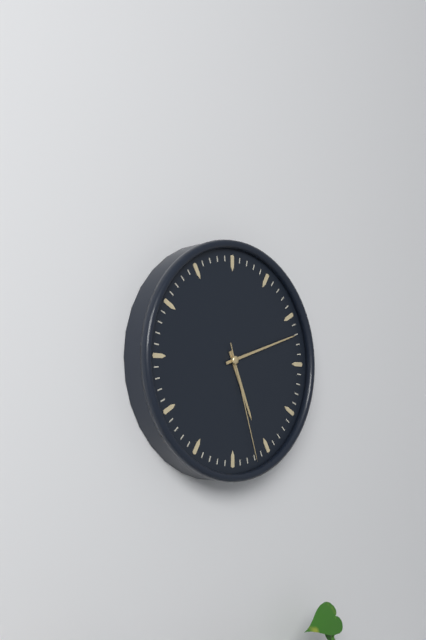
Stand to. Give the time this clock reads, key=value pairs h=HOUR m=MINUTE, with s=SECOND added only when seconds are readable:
h=5 m=12 s=27
